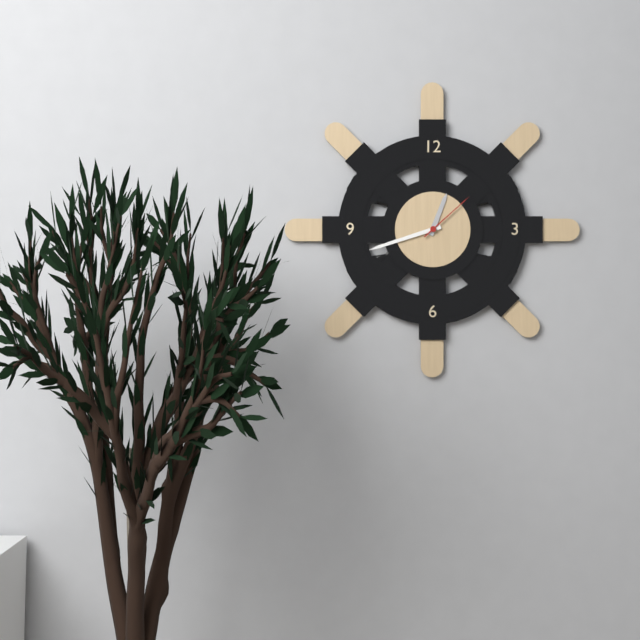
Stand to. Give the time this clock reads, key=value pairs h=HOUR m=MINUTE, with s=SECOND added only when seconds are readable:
h=12 m=42 s=8
